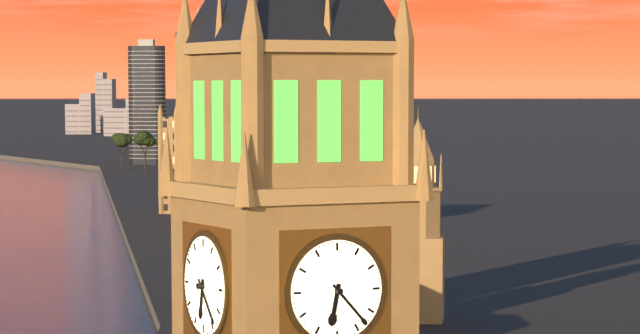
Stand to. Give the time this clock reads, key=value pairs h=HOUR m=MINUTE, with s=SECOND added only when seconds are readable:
h=6 m=23
